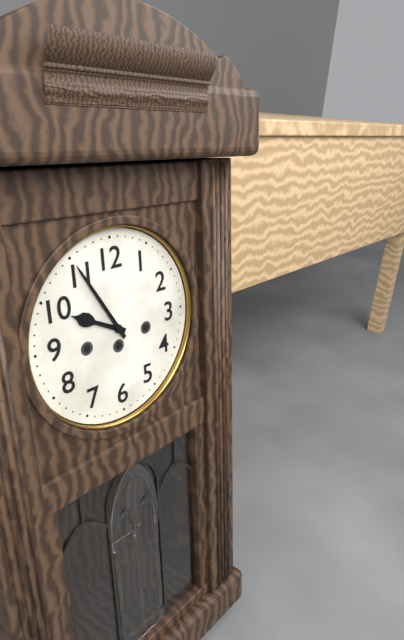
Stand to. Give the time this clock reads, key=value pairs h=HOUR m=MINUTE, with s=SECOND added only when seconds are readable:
h=9 m=55
